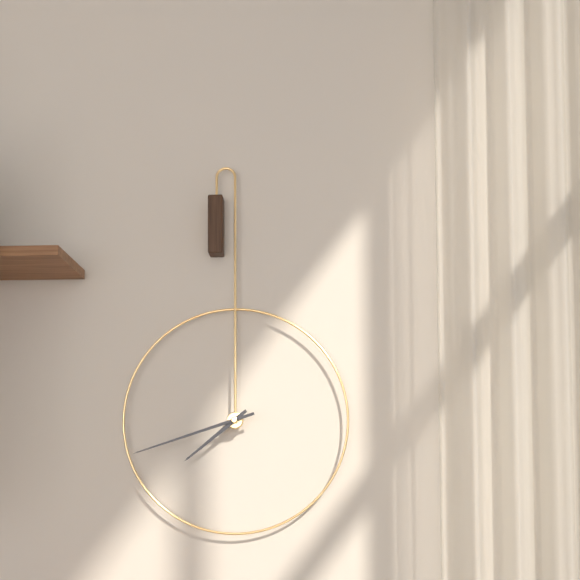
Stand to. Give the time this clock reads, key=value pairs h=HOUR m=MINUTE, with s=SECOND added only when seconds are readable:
h=7 m=42
